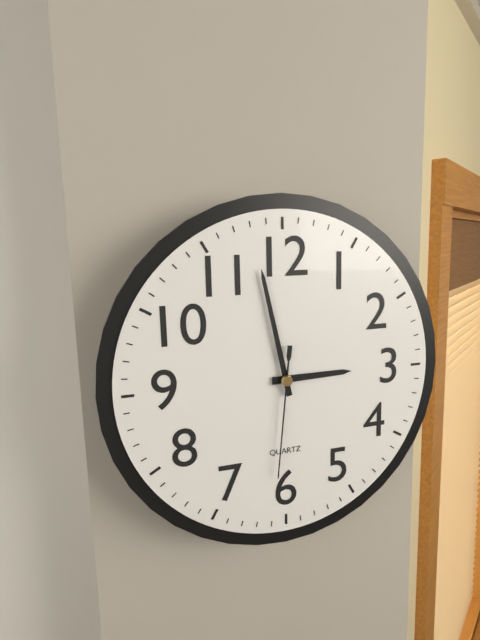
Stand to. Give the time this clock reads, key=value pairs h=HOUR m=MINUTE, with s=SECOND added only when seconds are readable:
h=2 m=58 s=31
